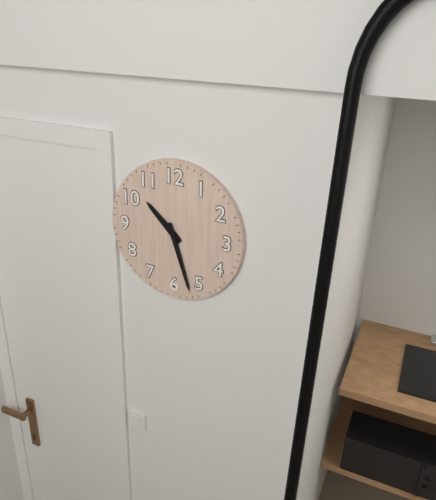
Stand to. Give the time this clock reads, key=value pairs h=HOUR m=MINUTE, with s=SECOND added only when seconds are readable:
h=10 m=27
